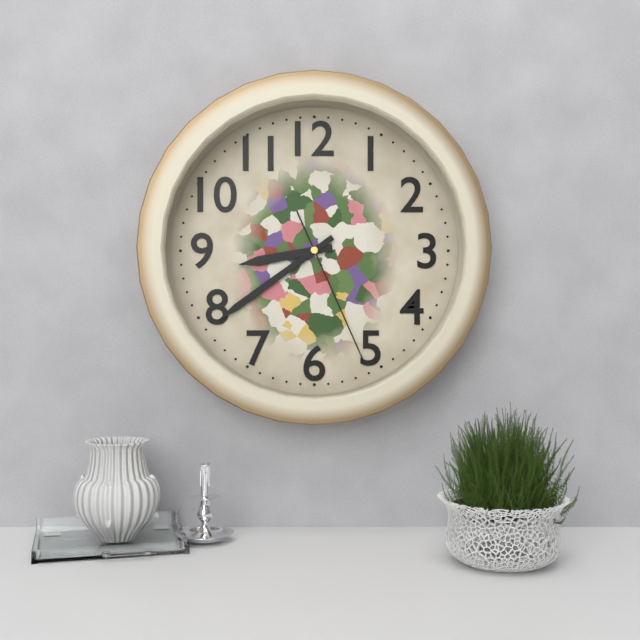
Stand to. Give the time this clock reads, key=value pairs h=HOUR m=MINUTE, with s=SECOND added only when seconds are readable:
h=8 m=39 s=26
